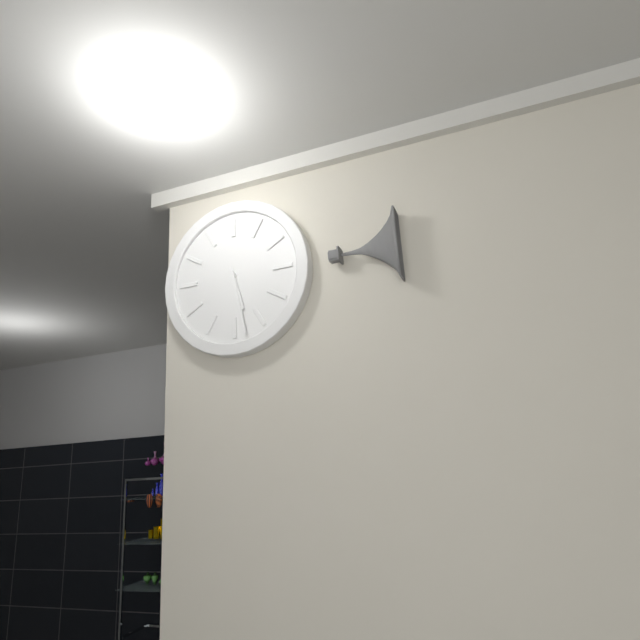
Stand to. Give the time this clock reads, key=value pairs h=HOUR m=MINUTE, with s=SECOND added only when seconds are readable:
h=5 m=28
